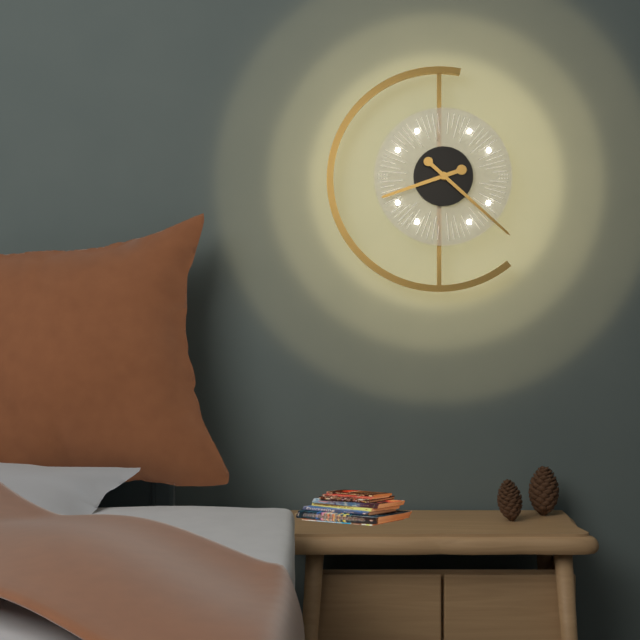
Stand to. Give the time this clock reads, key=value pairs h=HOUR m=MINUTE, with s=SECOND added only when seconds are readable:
h=8 m=22
